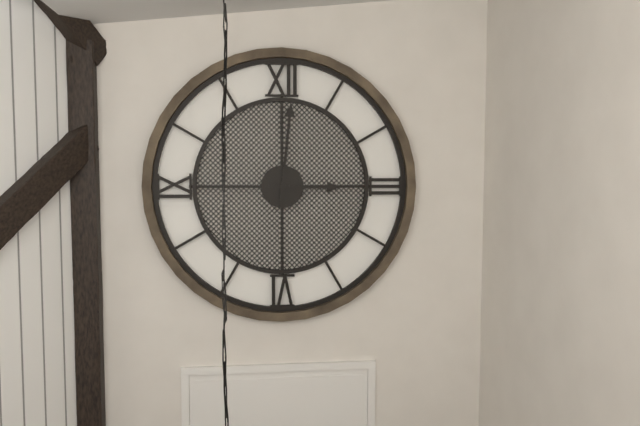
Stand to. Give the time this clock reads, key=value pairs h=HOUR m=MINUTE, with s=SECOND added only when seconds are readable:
h=3 m=1
